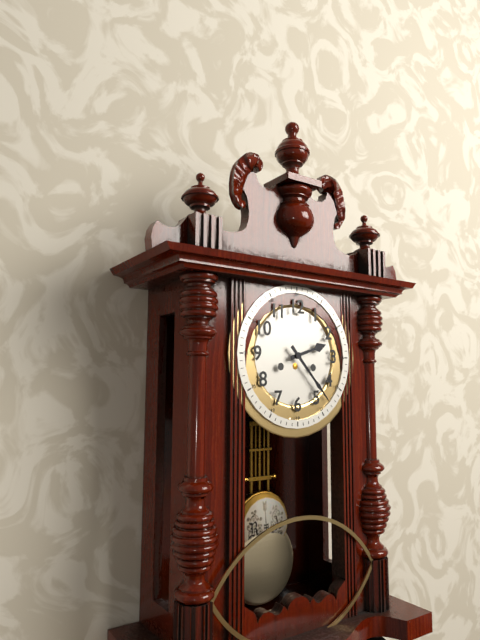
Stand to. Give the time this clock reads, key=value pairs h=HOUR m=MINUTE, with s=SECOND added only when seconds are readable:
h=2 m=23
